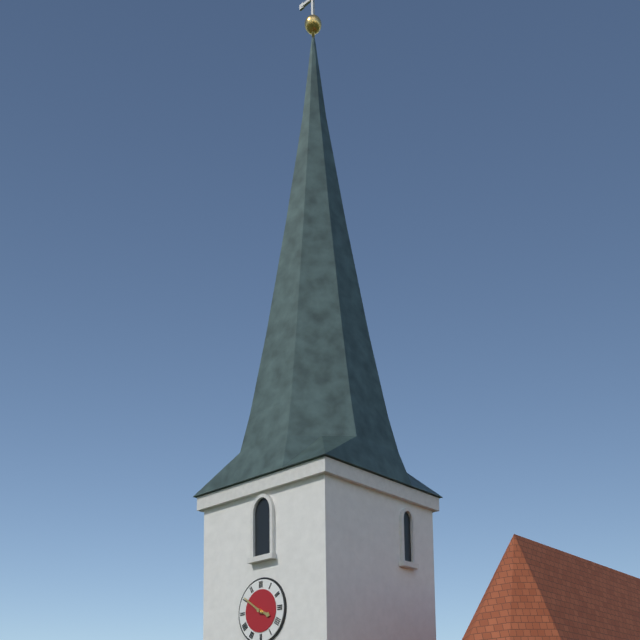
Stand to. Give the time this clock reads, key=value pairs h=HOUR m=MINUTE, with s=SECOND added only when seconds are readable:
h=3 m=51
